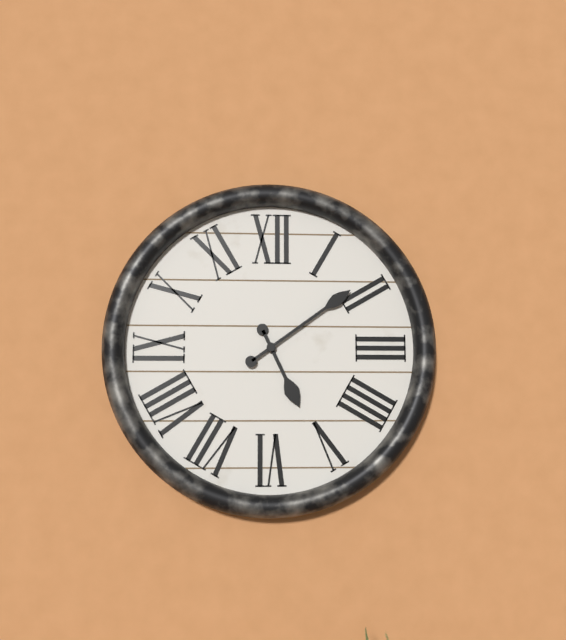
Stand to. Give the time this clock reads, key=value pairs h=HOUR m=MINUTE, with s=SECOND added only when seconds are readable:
h=5 m=9
